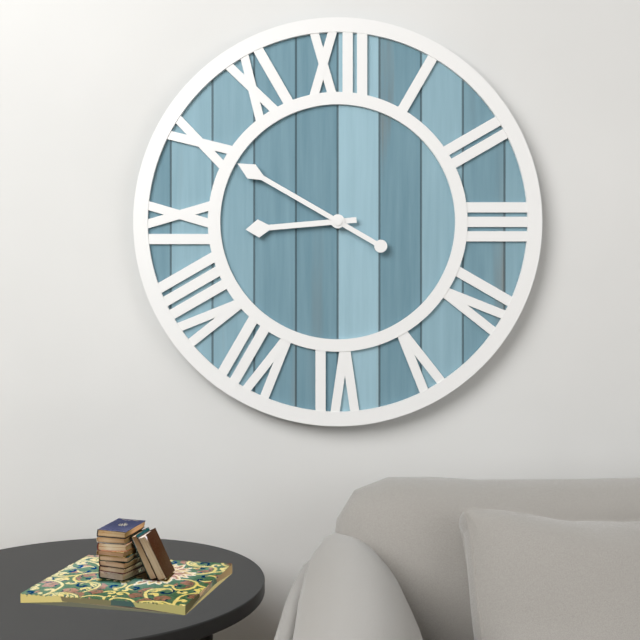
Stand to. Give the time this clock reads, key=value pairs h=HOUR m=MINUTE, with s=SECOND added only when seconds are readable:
h=8 m=50
